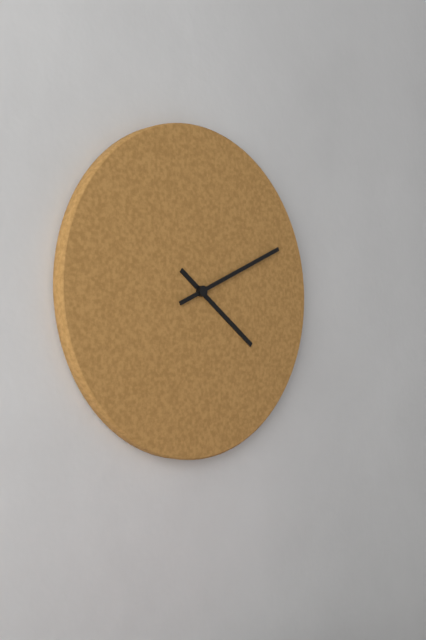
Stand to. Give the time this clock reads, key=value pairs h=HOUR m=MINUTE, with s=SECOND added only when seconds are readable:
h=4 m=11
